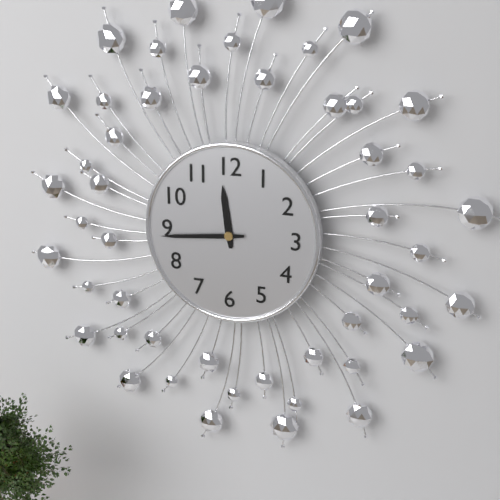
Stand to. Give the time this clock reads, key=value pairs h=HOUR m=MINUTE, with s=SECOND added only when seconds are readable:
h=11 m=44
